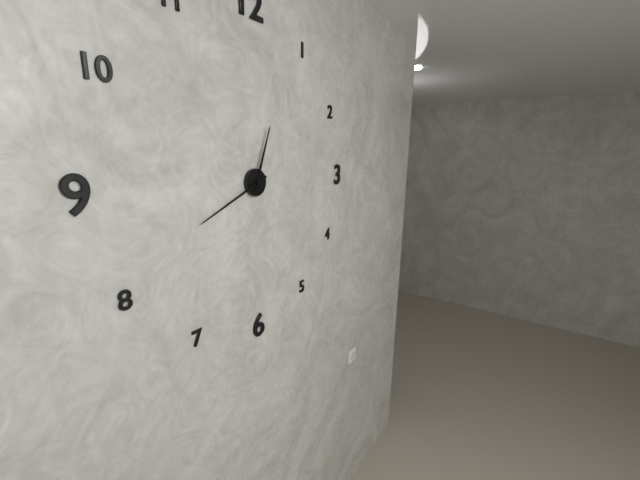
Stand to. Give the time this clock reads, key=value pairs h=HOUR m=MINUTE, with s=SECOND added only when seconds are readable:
h=12 m=41
